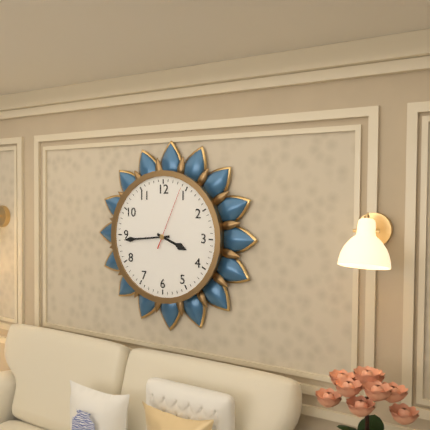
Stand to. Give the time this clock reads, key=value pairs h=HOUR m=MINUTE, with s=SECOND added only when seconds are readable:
h=3 m=44 s=4
